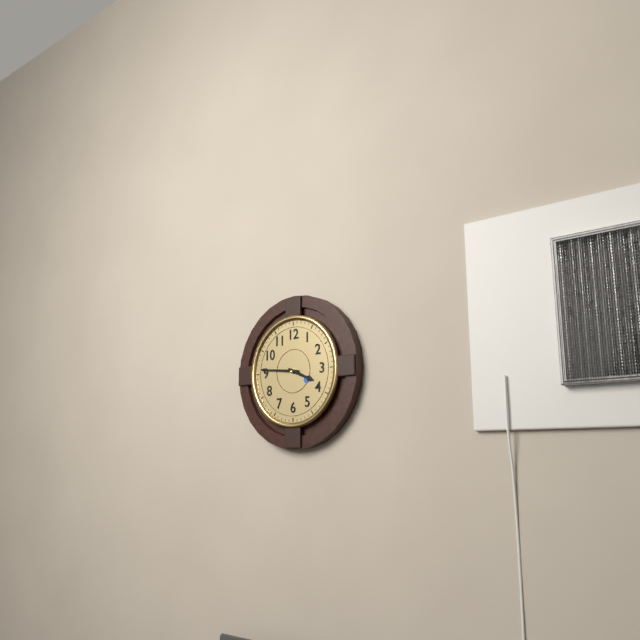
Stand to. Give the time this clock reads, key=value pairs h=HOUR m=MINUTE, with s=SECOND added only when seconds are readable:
h=3 m=46
